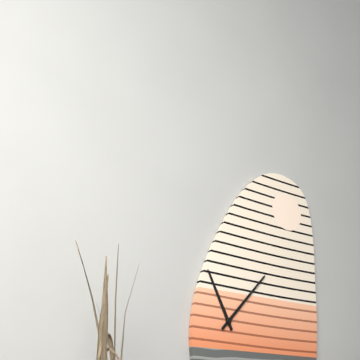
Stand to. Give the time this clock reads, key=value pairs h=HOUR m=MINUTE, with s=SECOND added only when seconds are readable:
h=11 m=7
